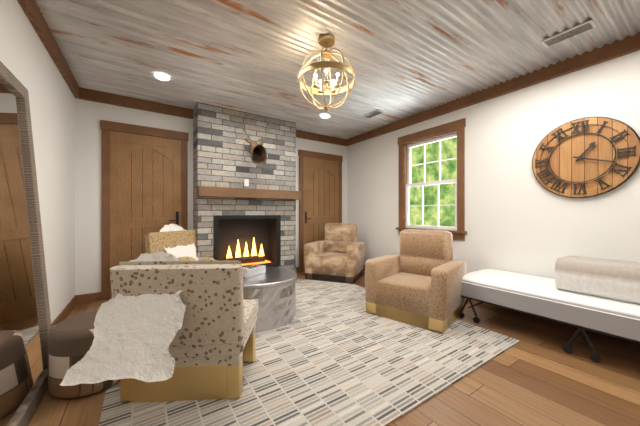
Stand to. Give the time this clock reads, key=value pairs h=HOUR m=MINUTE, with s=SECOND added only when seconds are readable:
h=1 m=18
